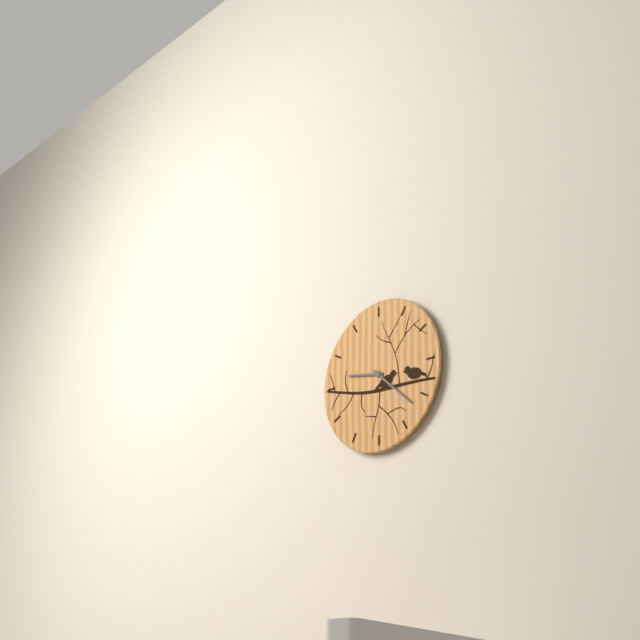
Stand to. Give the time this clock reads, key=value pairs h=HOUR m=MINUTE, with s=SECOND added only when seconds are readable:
h=9 m=22
